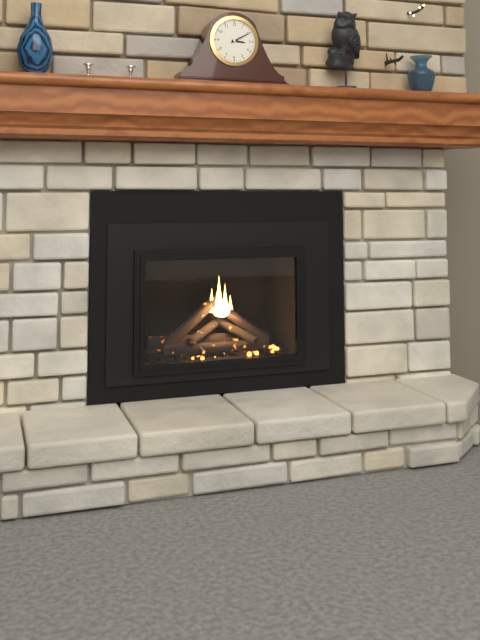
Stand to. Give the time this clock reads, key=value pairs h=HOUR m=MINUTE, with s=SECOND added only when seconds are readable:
h=3 m=10
